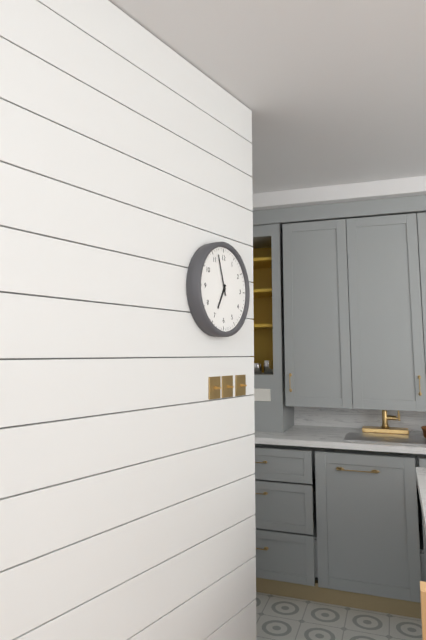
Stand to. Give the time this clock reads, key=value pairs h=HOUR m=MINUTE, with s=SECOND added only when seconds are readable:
h=6 m=57
